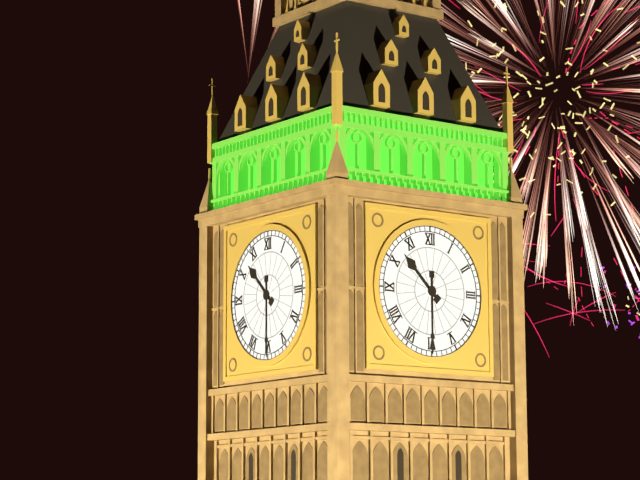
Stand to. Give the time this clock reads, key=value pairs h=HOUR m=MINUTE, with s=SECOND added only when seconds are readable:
h=10 m=30
